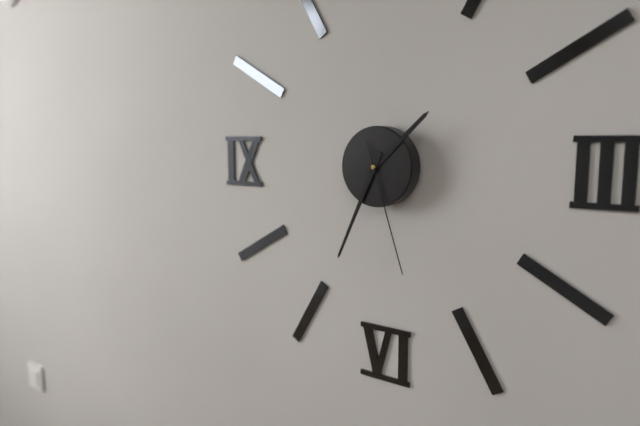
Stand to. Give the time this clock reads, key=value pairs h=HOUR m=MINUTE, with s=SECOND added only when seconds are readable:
h=1 m=34 s=27
